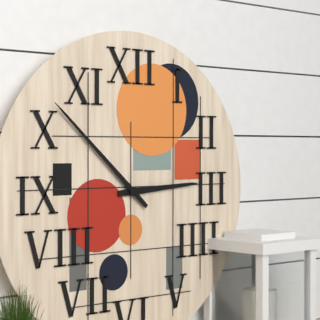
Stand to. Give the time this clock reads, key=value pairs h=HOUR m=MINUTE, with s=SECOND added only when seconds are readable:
h=2 m=52
